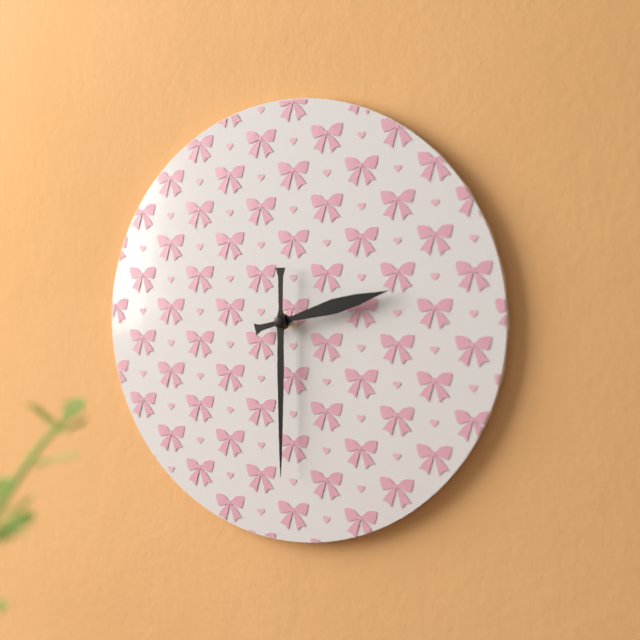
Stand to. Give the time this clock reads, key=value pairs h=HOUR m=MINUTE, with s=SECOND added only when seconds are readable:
h=2 m=30
